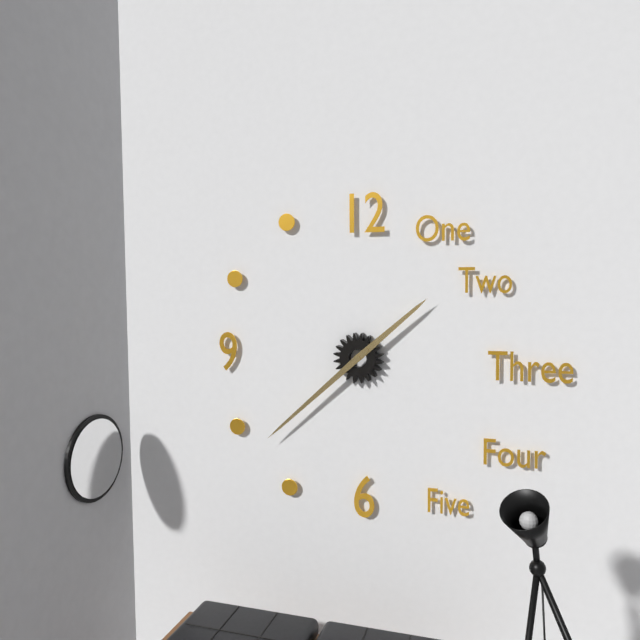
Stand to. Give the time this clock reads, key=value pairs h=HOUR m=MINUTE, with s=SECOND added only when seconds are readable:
h=1 m=38
